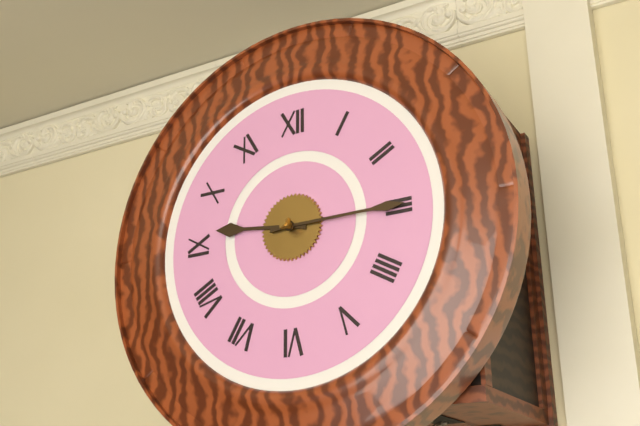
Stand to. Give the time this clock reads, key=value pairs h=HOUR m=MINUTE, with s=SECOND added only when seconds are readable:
h=9 m=15
